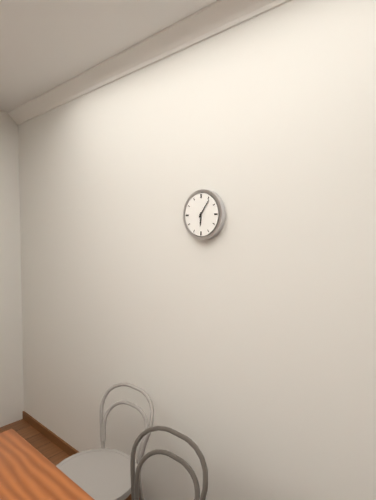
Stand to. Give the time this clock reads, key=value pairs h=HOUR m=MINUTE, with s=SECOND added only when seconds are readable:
h=6 m=6
